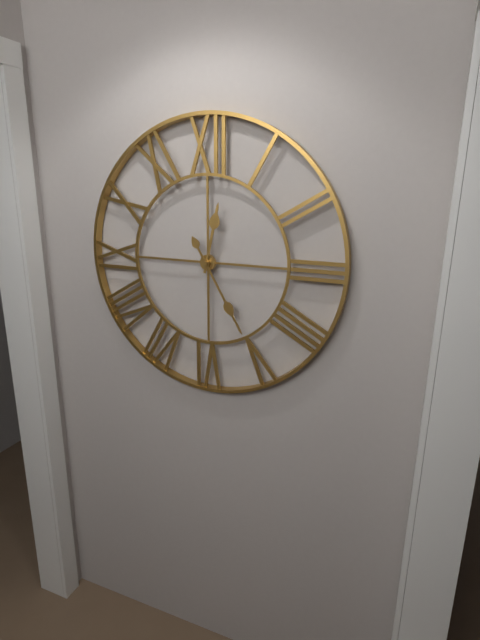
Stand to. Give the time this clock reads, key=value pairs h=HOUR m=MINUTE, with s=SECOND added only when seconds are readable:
h=12 m=25
